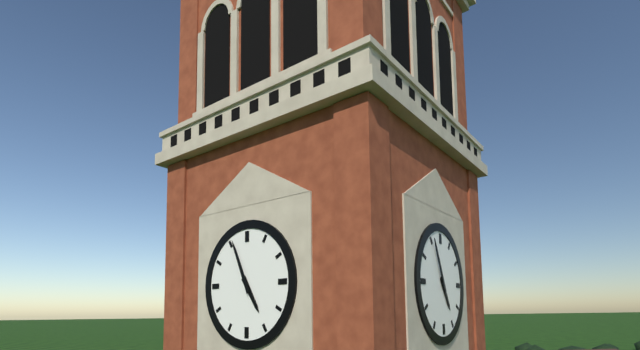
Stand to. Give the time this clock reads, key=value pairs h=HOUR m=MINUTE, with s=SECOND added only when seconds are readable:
h=4 m=56
